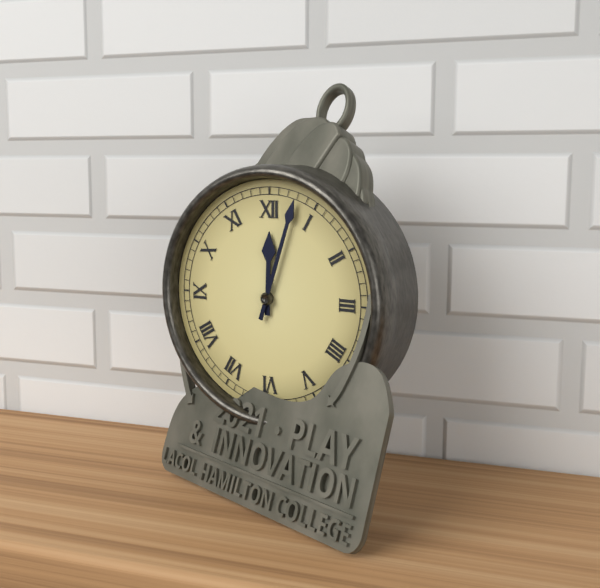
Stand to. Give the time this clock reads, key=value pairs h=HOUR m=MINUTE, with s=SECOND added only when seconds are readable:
h=12 m=3
